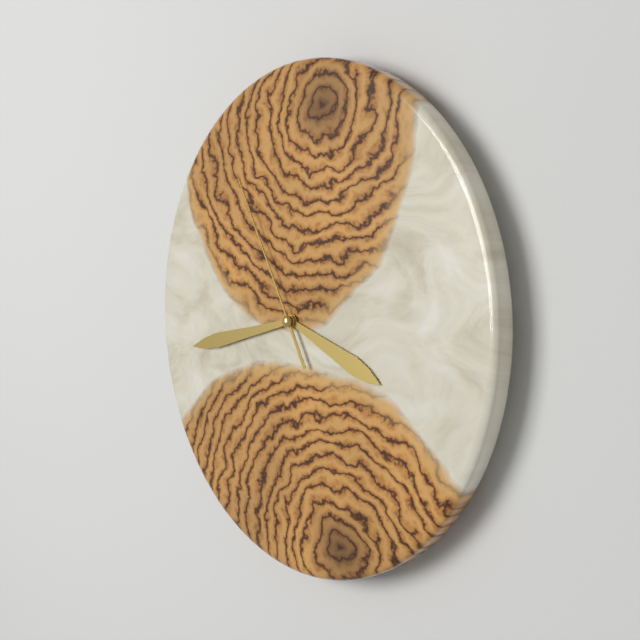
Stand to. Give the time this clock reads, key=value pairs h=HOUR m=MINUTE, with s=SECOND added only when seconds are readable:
h=3 m=43 s=55
